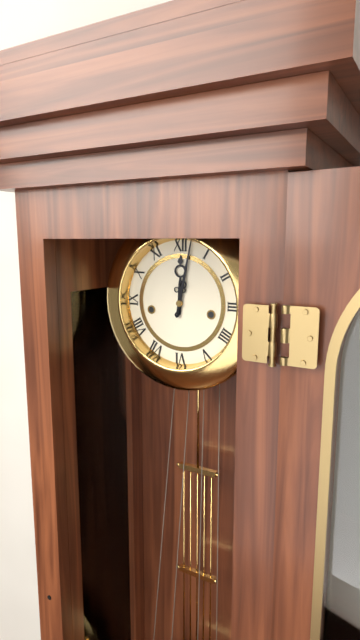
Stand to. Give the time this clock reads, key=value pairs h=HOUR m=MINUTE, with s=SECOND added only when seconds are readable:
h=12 m=2
